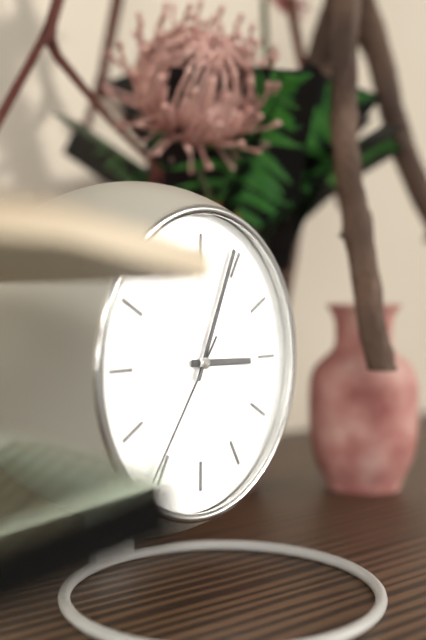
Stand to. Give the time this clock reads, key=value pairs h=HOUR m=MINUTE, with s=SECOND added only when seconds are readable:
h=3 m=4 s=36
